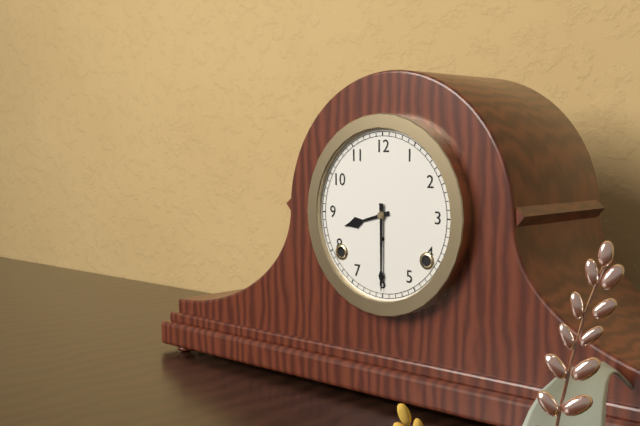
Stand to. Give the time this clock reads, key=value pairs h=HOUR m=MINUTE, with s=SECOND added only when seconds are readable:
h=8 m=30
